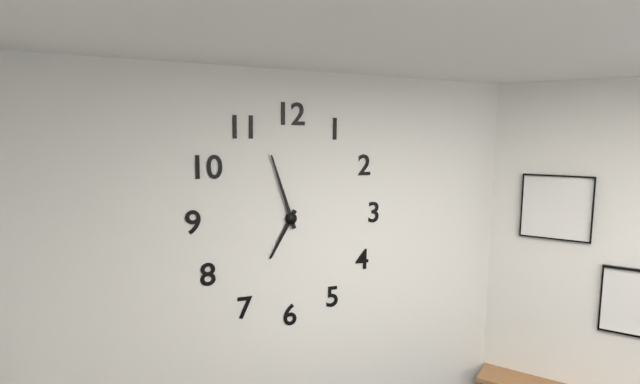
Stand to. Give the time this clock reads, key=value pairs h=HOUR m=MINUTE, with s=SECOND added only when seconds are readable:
h=6 m=57
